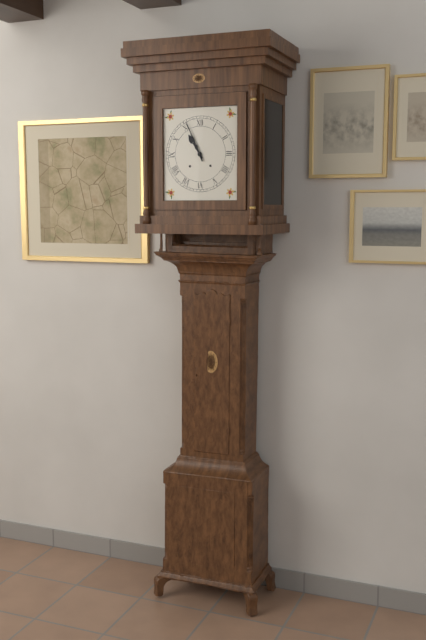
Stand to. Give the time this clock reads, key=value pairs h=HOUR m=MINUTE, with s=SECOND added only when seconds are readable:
h=10 m=56
